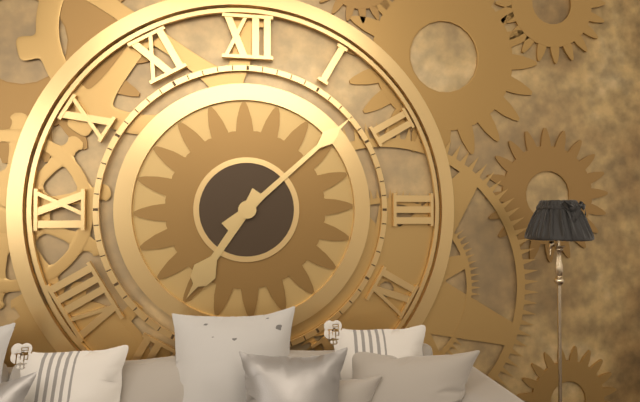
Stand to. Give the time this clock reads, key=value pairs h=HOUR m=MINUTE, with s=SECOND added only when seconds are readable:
h=7 m=8
